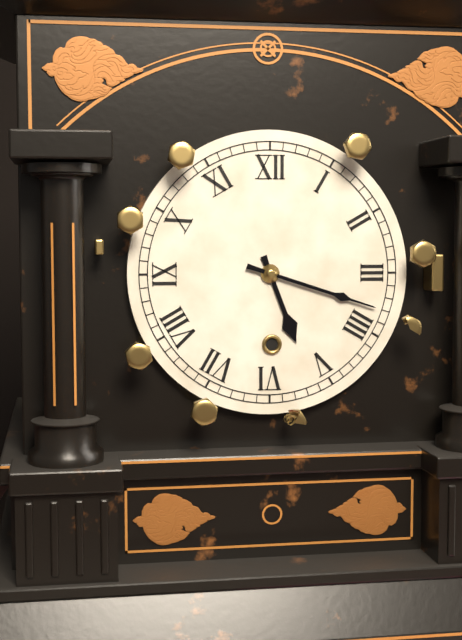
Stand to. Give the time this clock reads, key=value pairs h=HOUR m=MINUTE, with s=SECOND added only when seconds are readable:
h=5 m=18
